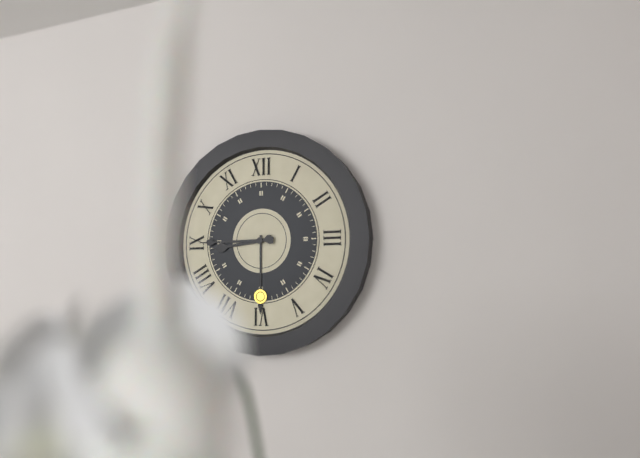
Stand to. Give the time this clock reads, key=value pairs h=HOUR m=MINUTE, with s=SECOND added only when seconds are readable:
h=8 m=45
